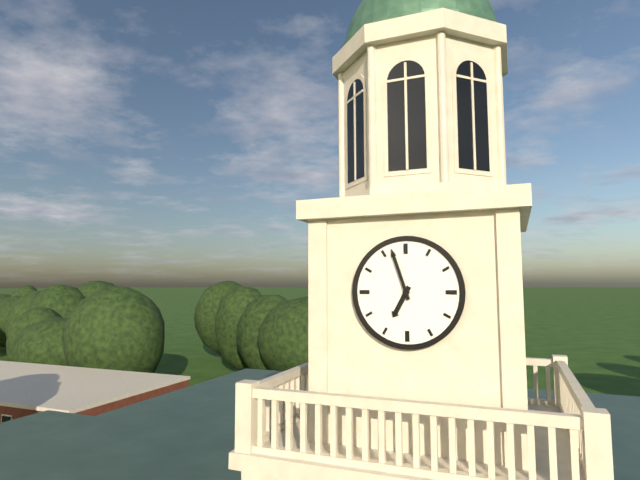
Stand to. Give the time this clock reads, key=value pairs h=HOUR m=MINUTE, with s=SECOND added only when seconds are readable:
h=6 m=57
